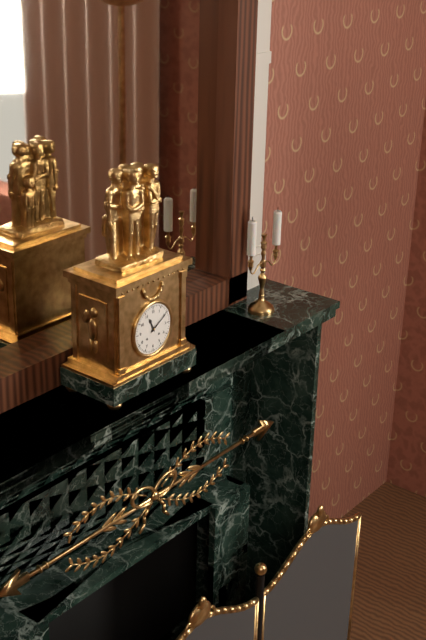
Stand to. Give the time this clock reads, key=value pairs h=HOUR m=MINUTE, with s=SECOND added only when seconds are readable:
h=11 m=10
